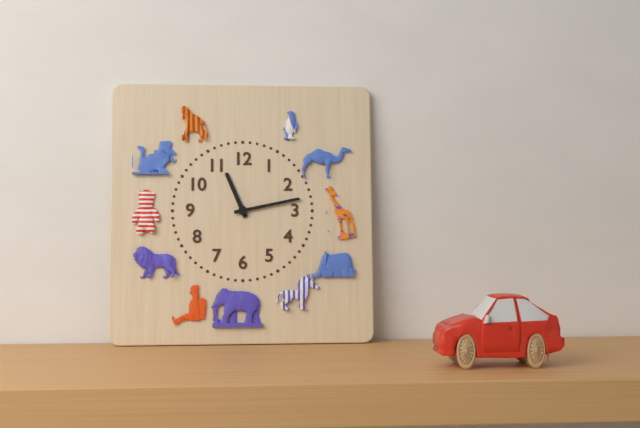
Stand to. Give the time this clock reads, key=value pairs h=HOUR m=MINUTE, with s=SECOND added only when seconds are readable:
h=11 m=13
